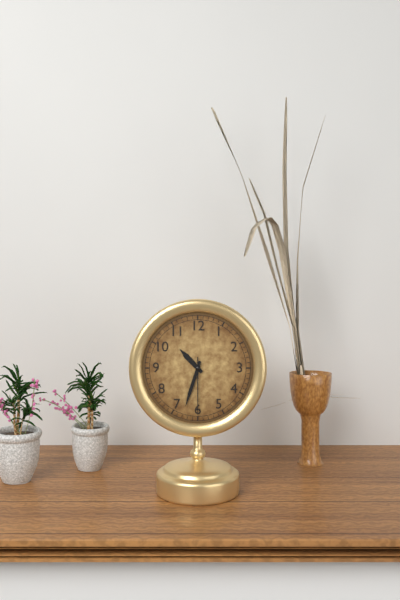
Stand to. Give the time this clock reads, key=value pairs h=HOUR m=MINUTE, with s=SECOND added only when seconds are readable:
h=10 m=33 s=30
